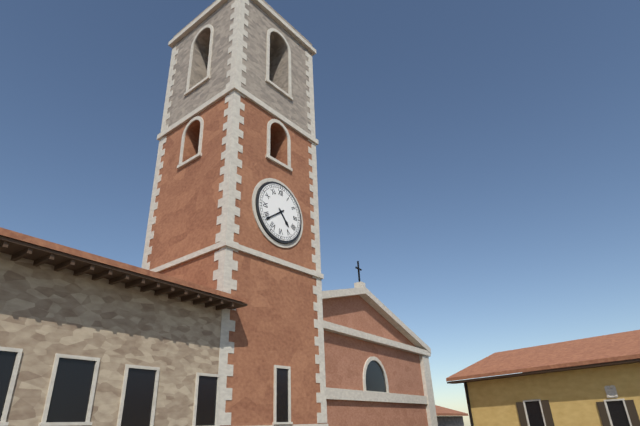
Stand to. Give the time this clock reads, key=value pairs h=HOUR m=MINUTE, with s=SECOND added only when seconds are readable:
h=4 m=39
